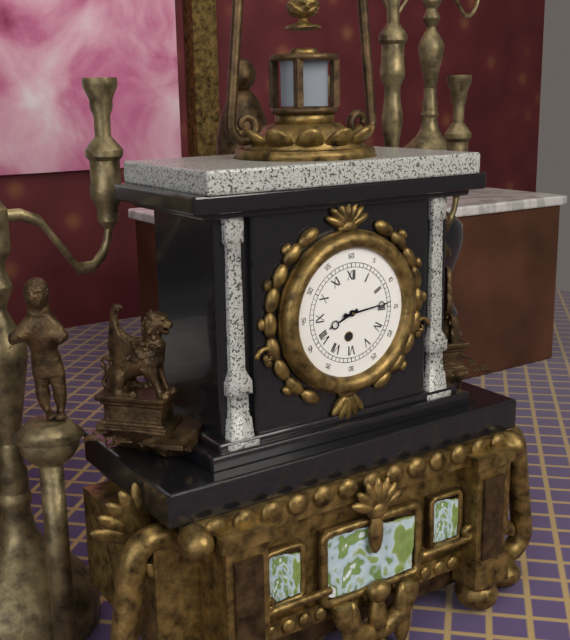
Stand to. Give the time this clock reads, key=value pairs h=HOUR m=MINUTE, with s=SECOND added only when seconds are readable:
h=8 m=14
